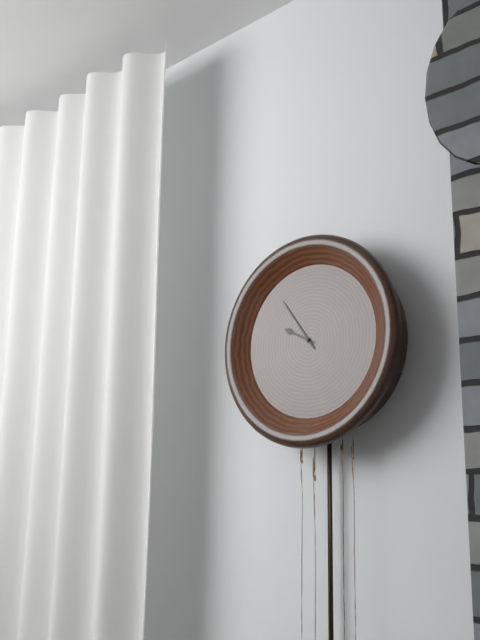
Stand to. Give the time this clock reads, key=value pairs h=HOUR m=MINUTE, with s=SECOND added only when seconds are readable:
h=9 m=54
